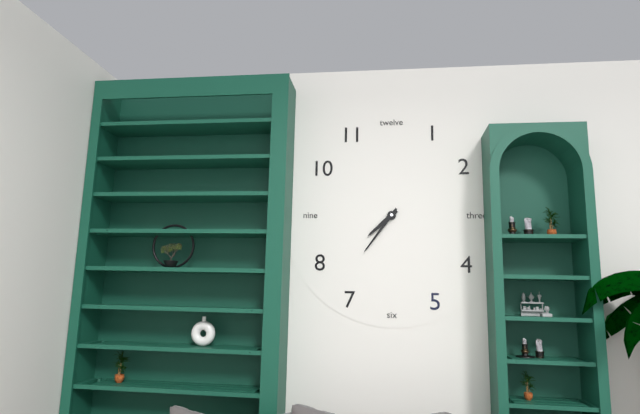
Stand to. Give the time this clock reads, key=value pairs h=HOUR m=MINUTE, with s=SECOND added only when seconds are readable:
h=7 m=36
